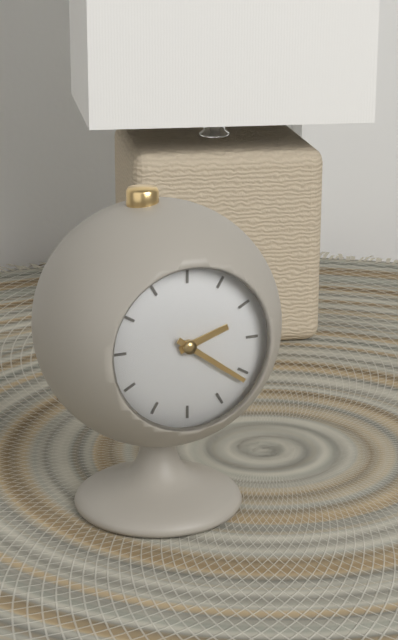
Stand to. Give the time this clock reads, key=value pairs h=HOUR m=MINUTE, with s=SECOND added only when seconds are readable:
h=2 m=21
